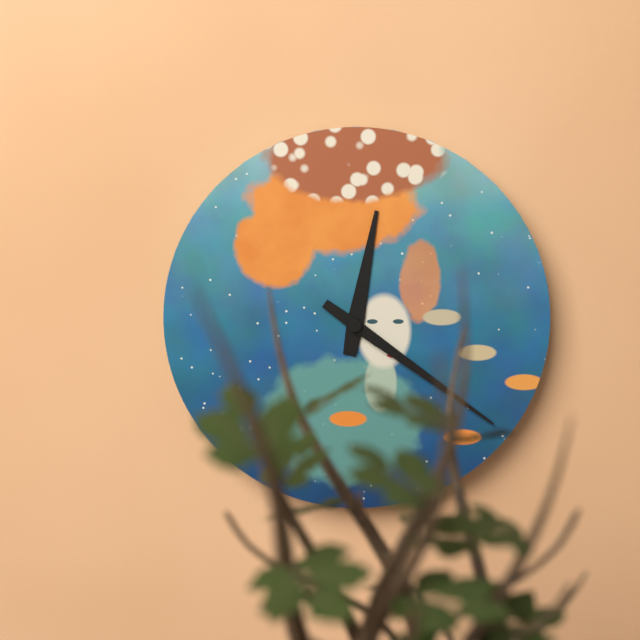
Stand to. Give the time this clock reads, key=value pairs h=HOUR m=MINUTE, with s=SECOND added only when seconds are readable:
h=12 m=21
